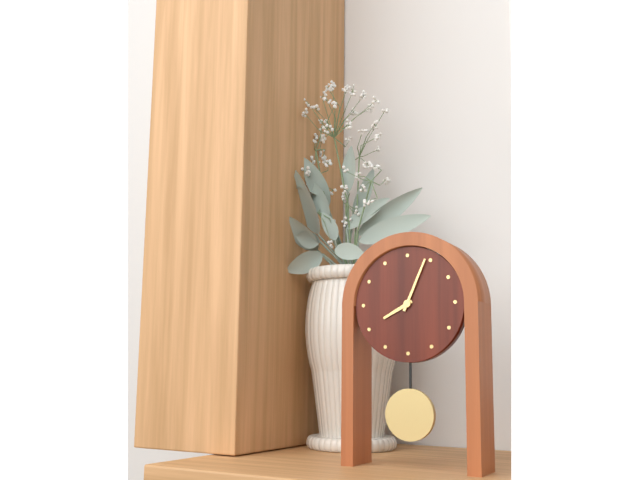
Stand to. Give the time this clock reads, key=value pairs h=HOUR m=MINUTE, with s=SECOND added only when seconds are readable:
h=8 m=4
